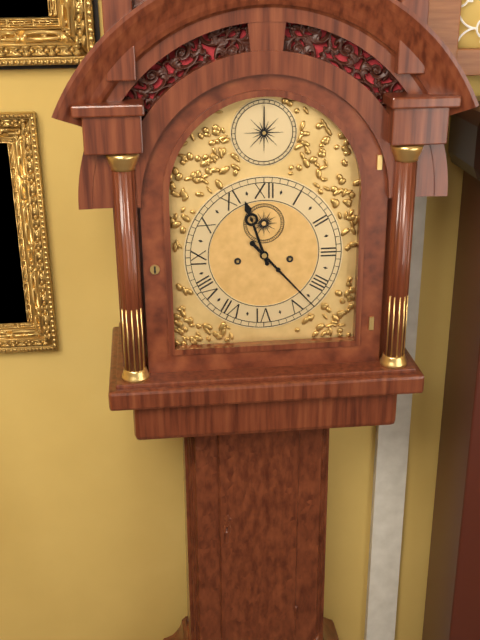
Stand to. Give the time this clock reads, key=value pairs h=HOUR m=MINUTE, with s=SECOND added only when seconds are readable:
h=11 m=23
